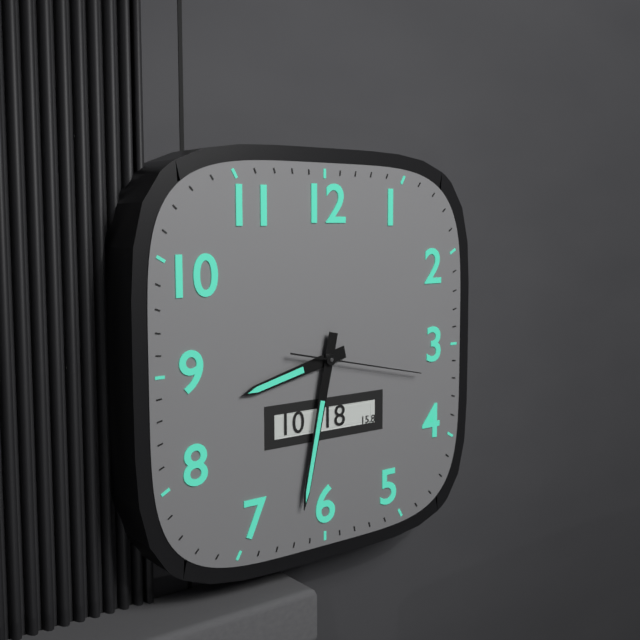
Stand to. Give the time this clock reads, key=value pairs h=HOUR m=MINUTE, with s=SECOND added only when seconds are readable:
h=8 m=32 s=17
